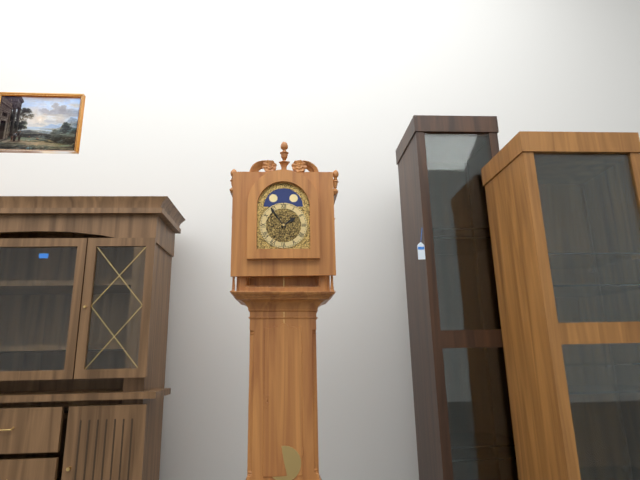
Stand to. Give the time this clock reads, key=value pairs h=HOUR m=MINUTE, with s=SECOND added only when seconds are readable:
h=1 m=54
